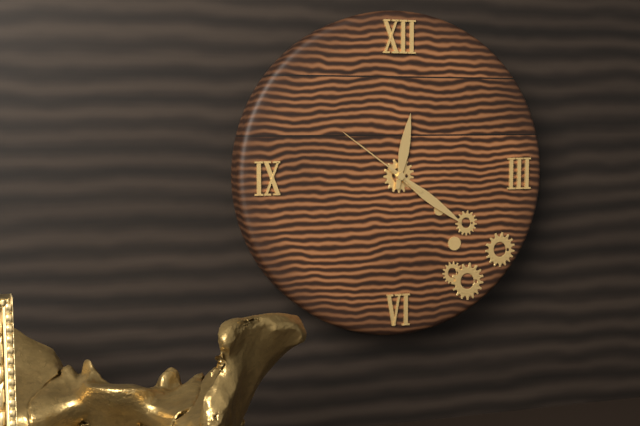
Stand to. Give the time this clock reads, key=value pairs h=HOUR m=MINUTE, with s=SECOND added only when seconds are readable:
h=12 m=21 s=51
